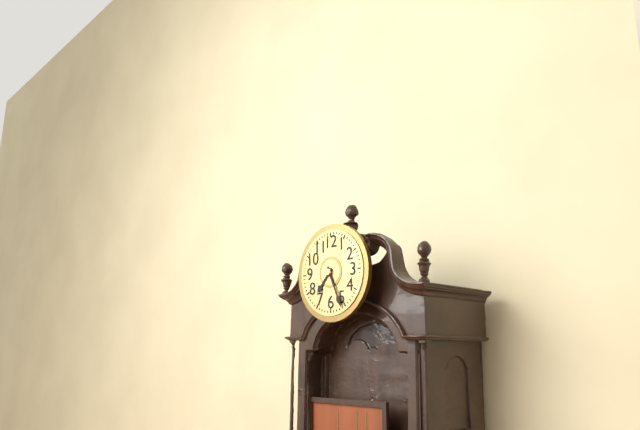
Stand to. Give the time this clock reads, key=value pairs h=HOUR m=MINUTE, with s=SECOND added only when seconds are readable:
h=7 m=26
